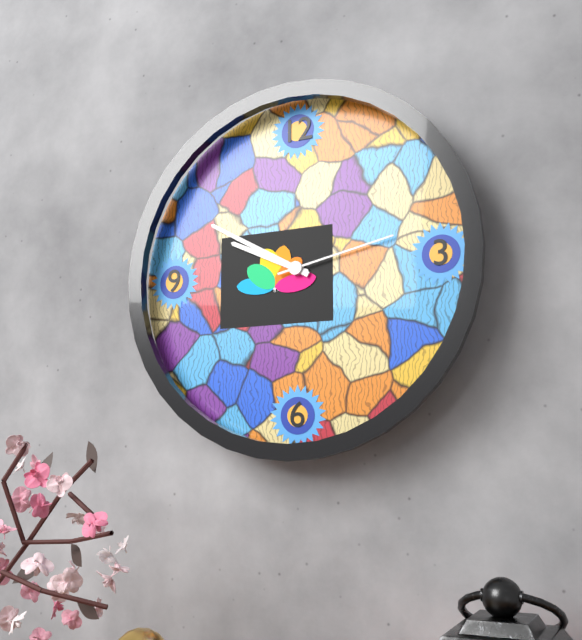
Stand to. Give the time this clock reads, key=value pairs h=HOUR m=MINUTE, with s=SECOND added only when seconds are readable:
h=9 m=50 s=13
